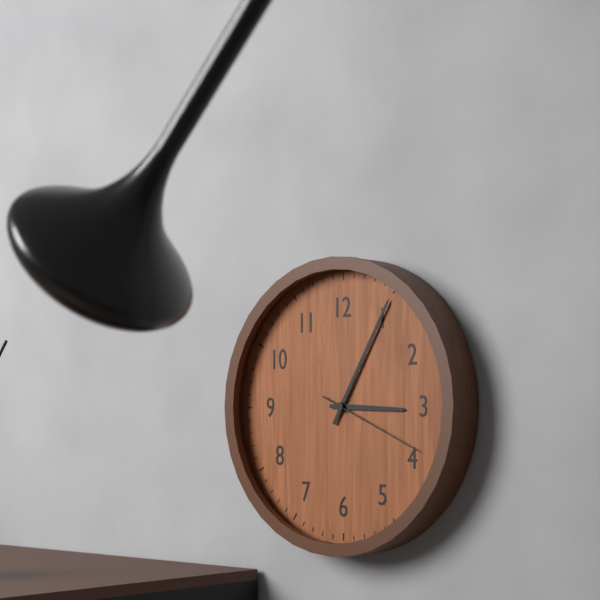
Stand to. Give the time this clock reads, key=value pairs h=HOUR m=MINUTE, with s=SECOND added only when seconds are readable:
h=3 m=5 s=19
